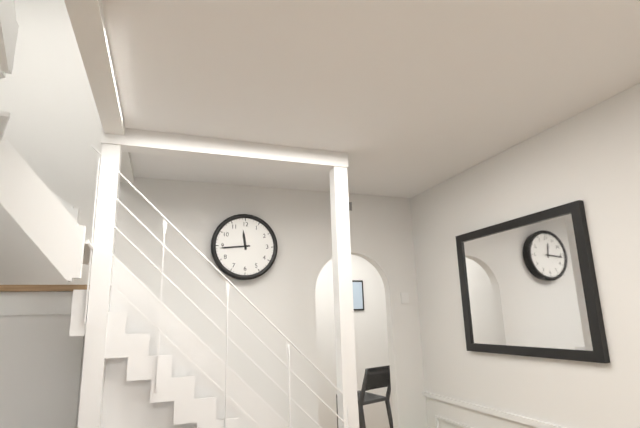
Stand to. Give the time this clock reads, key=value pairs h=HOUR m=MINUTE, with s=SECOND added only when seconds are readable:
h=11 m=44
